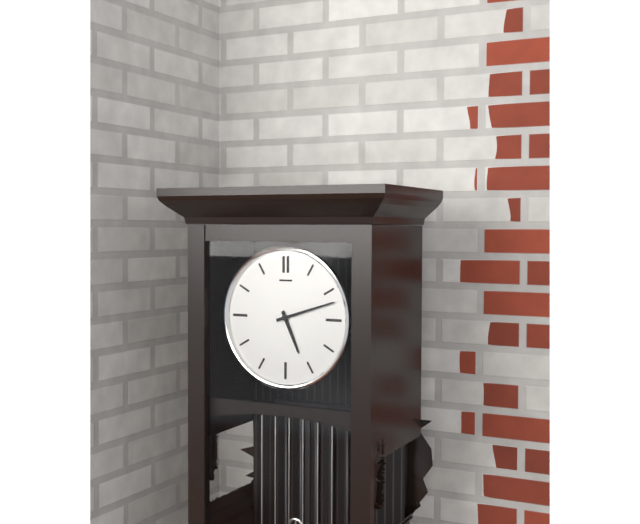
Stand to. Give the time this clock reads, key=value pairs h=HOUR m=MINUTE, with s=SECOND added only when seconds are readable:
h=5 m=12
